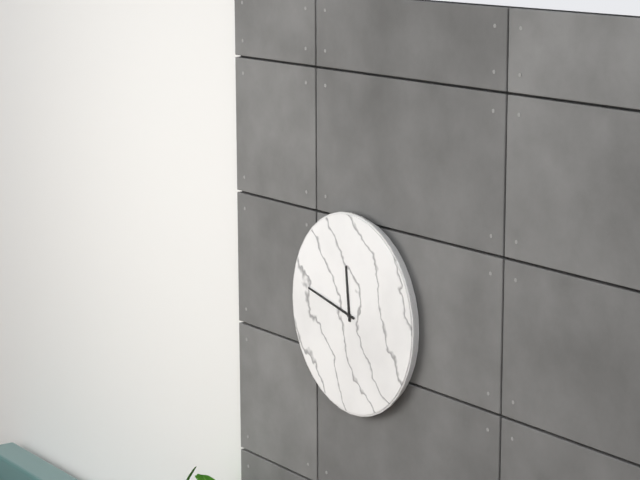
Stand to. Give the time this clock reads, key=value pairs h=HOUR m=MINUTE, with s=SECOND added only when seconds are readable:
h=11 m=47
